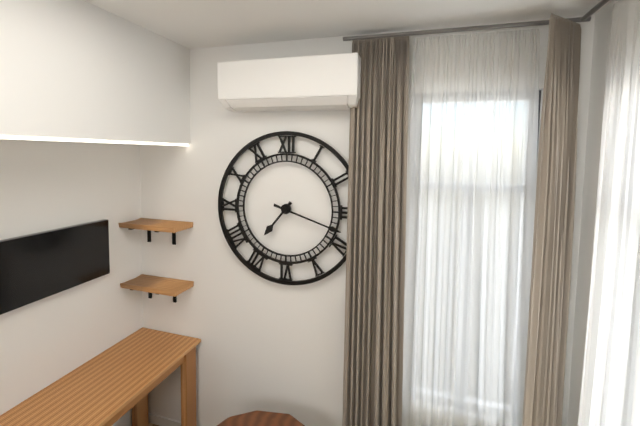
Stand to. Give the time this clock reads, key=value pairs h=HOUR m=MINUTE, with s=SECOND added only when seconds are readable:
h=7 m=18
